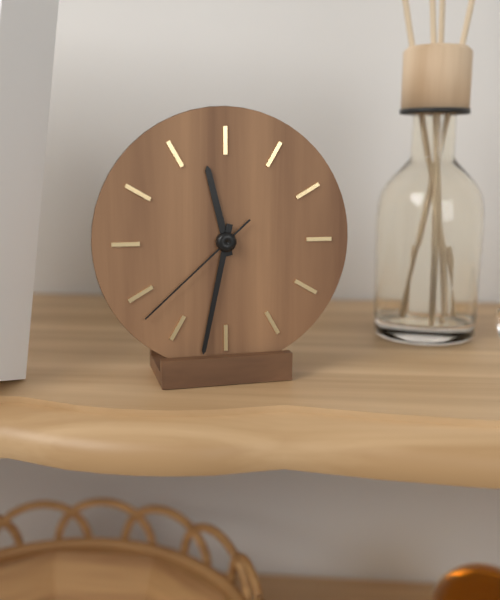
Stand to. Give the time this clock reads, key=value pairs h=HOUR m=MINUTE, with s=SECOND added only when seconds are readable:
h=11 m=32 s=38
